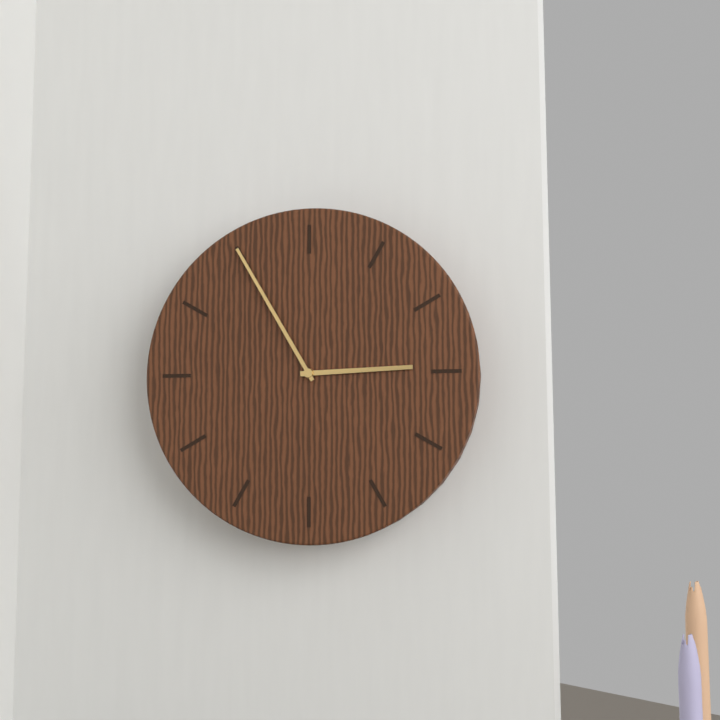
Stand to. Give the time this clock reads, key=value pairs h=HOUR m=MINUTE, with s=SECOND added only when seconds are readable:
h=2 m=55
